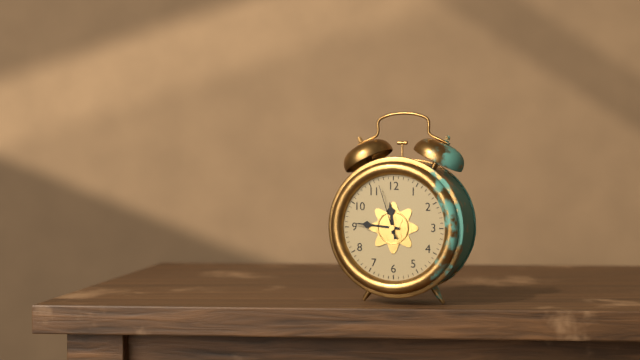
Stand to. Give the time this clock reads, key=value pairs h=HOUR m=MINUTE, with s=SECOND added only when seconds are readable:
h=11 m=46 s=57
